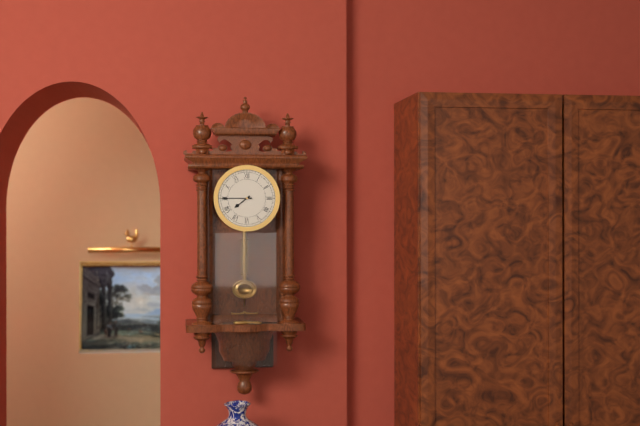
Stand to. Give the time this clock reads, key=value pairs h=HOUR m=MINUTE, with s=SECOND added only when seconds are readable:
h=7 m=45
